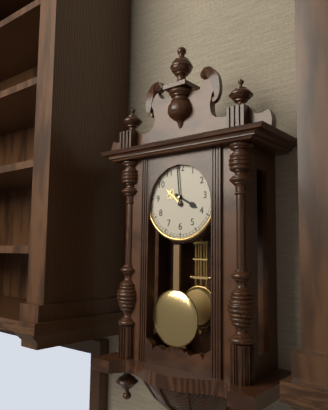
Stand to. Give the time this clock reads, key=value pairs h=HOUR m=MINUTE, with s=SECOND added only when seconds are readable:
h=3 m=59
